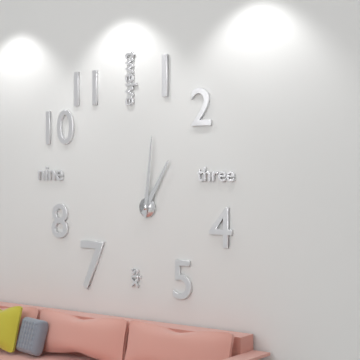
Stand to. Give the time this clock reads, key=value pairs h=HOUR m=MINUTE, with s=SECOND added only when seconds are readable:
h=1 m=1
